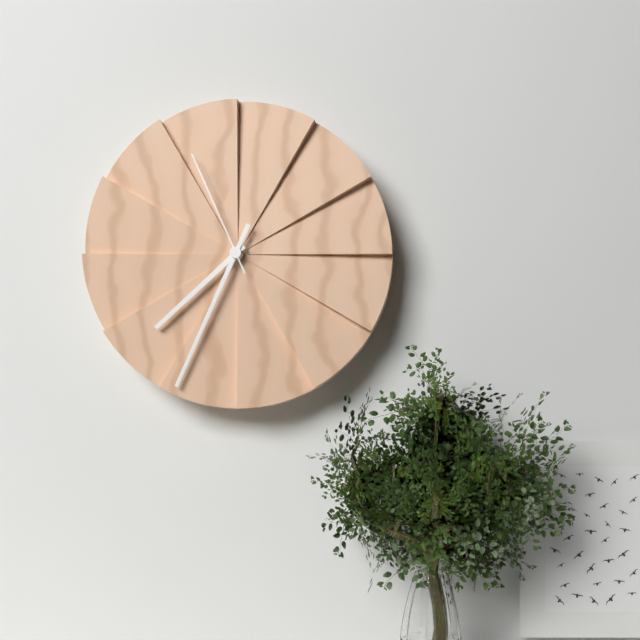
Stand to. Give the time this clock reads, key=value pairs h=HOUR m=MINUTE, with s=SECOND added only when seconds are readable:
h=7 m=34 s=56
